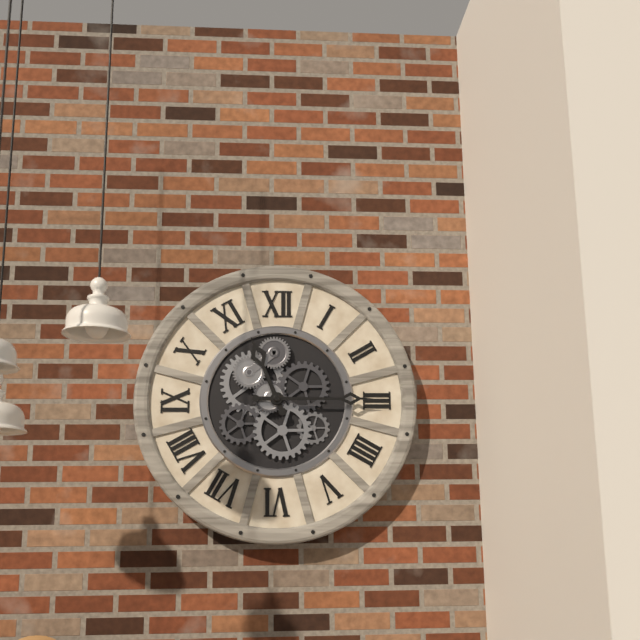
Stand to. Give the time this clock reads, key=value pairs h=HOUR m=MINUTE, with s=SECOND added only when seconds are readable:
h=11 m=15
